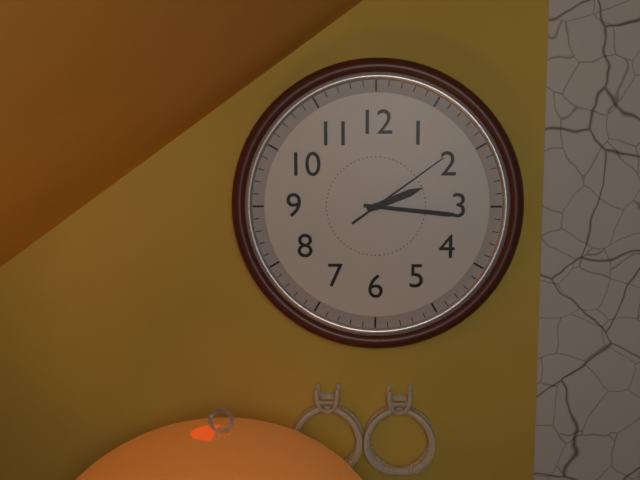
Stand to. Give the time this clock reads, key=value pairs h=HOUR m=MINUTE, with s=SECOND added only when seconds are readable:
h=2 m=16 s=9
